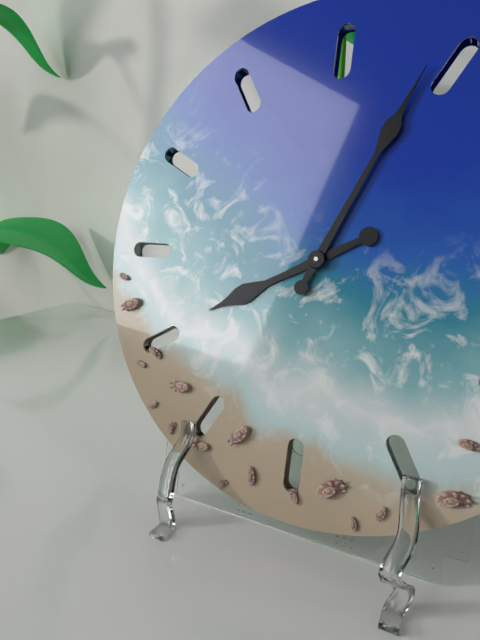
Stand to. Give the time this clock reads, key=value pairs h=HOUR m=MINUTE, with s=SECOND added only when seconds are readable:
h=8 m=4
